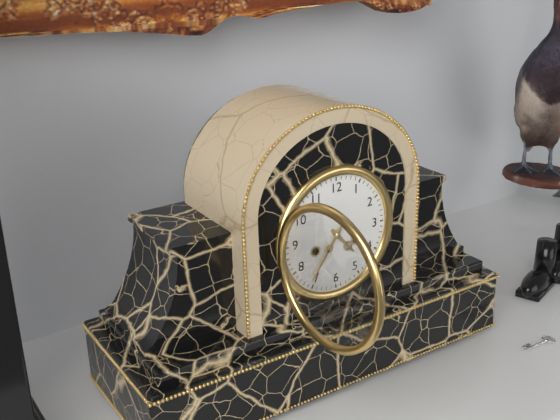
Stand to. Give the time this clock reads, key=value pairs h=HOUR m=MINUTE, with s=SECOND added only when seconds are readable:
h=4 m=36
